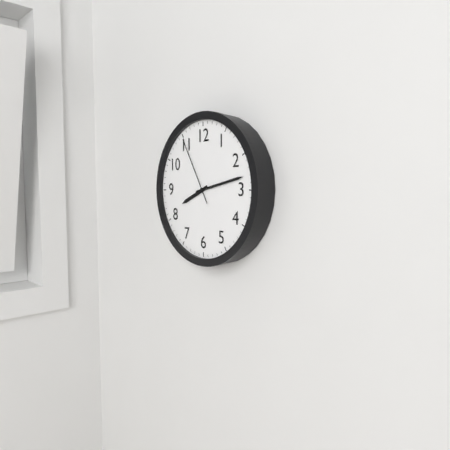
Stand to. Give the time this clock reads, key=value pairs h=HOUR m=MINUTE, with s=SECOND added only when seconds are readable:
h=8 m=13 s=55
